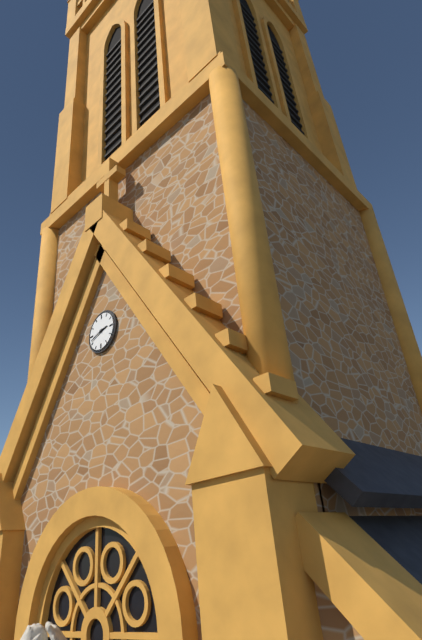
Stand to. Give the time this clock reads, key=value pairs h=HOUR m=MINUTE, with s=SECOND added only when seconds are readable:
h=2 m=42
